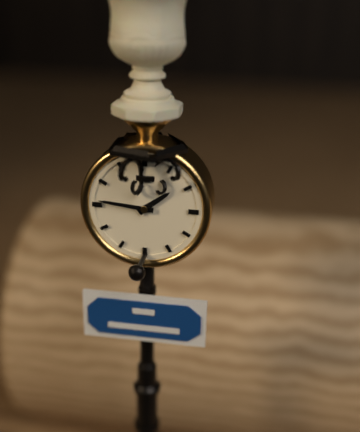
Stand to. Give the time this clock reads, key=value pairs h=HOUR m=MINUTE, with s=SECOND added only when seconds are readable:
h=1 m=46
